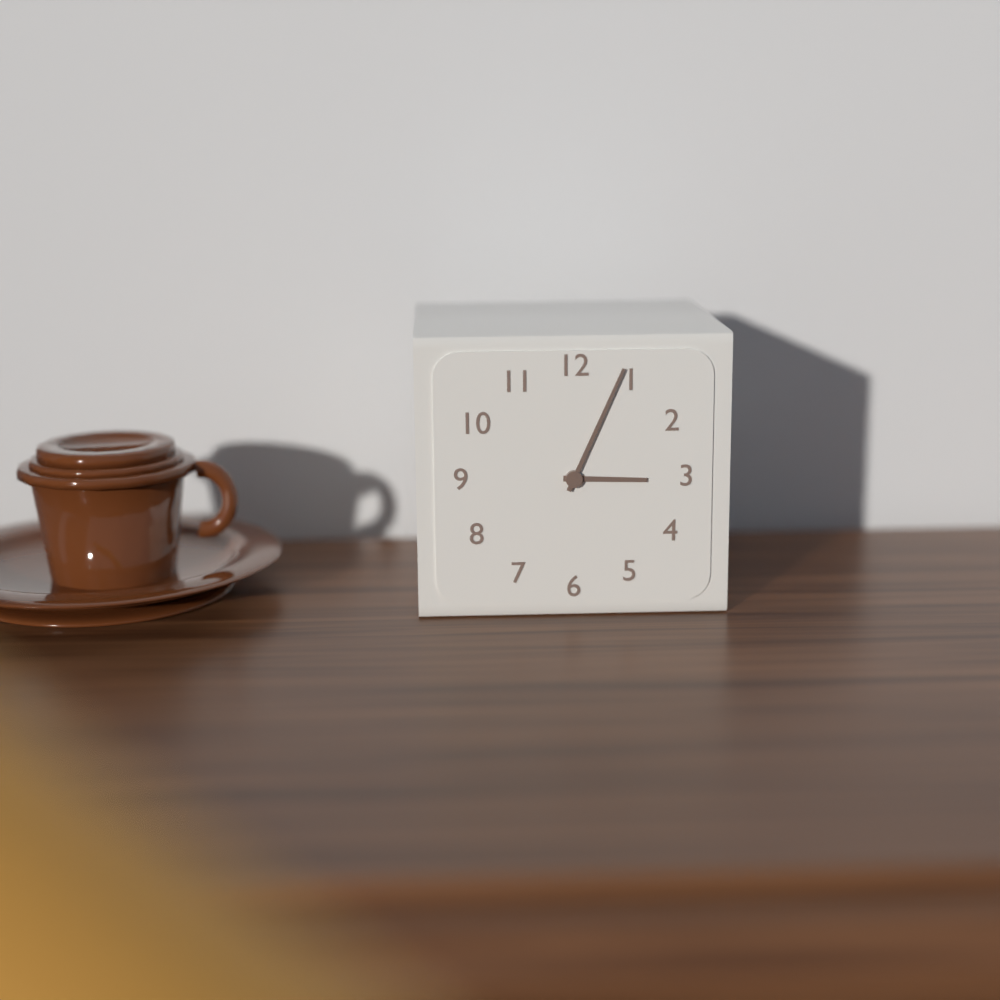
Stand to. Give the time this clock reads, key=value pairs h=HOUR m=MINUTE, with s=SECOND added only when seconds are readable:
h=3 m=4
